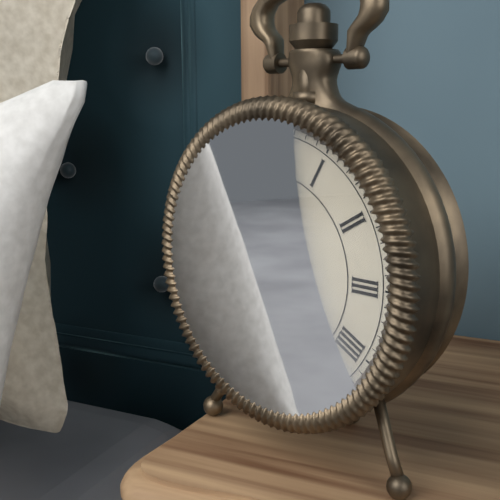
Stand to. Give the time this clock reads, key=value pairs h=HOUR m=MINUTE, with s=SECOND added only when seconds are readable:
h=9 m=50
